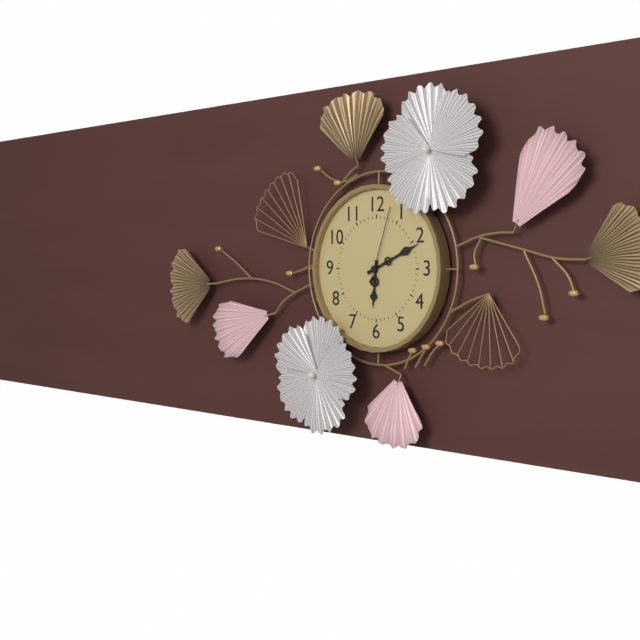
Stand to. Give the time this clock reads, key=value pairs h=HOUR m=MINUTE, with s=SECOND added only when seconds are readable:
h=6 m=11 s=3
